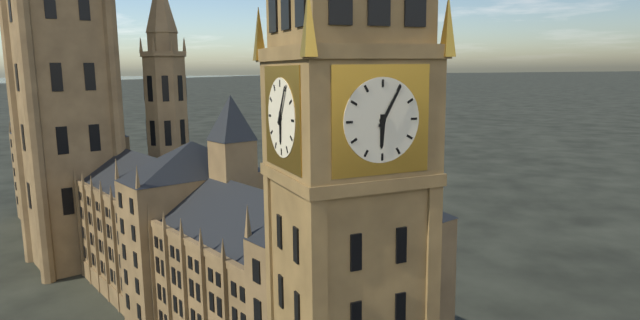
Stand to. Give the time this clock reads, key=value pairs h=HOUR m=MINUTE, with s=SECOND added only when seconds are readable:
h=6 m=5
